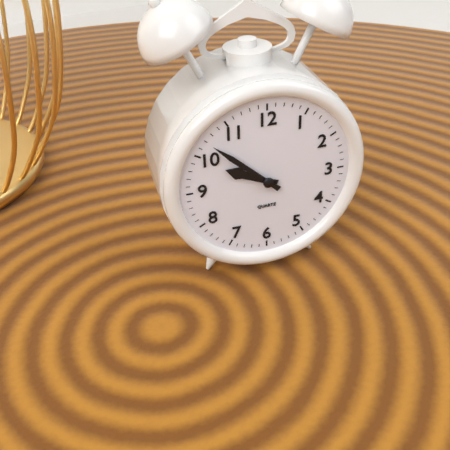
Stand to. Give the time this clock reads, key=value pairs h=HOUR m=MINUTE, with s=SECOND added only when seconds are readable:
h=9 m=52
